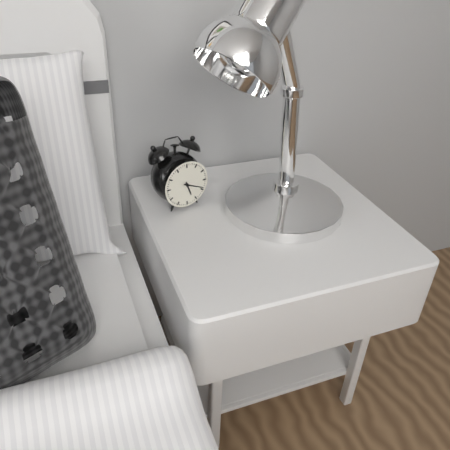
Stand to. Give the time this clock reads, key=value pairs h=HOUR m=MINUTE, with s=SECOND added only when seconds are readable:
h=5 m=19
